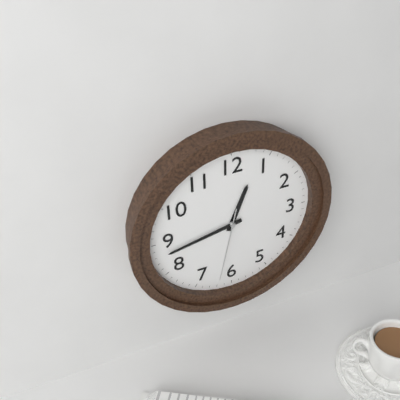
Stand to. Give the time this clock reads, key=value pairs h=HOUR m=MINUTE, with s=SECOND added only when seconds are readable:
h=12 m=43 s=32
